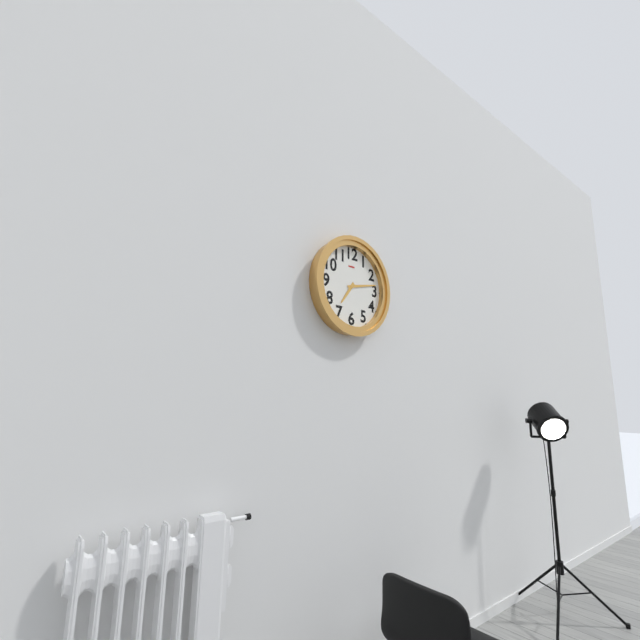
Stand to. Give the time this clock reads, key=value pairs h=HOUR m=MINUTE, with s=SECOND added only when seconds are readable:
h=7 m=13
